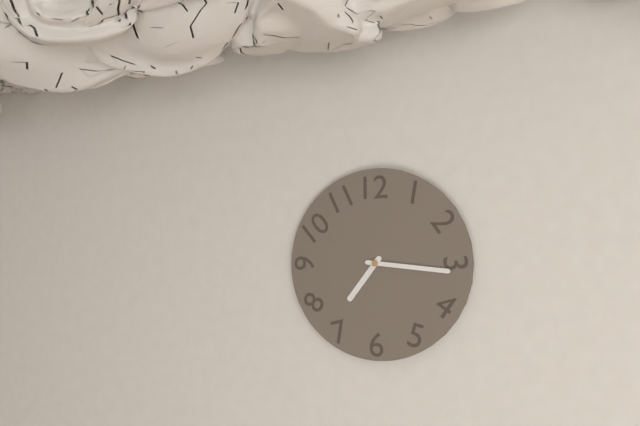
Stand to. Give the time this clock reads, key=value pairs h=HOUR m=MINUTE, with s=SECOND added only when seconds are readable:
h=7 m=16
